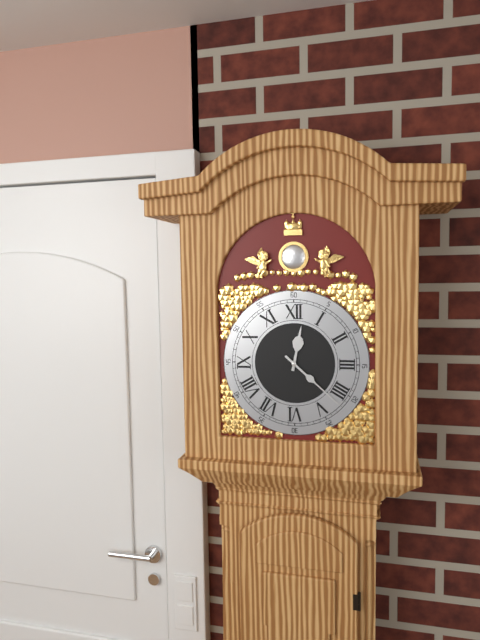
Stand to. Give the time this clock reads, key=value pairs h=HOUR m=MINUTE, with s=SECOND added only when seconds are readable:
h=12 m=22
